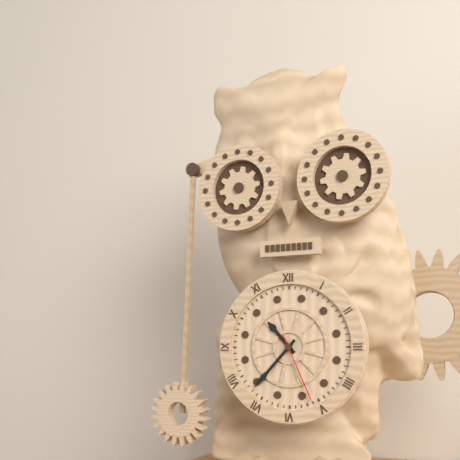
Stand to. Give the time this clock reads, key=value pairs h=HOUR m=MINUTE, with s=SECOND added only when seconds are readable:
h=10 m=37 s=26
